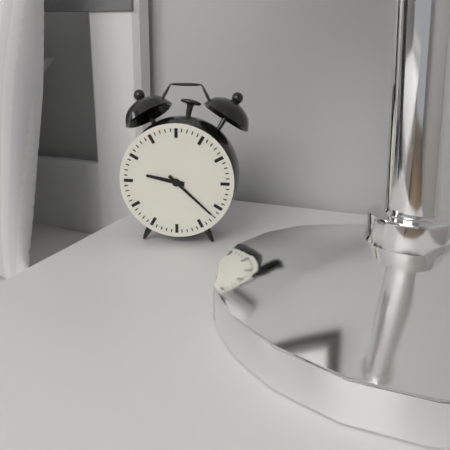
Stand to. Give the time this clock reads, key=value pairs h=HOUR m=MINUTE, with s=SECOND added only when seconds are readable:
h=9 m=22
